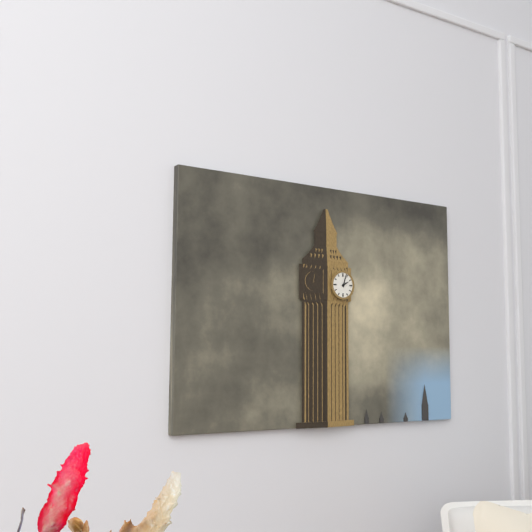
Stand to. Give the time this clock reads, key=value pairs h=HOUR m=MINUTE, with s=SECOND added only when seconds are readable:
h=2 m=3
